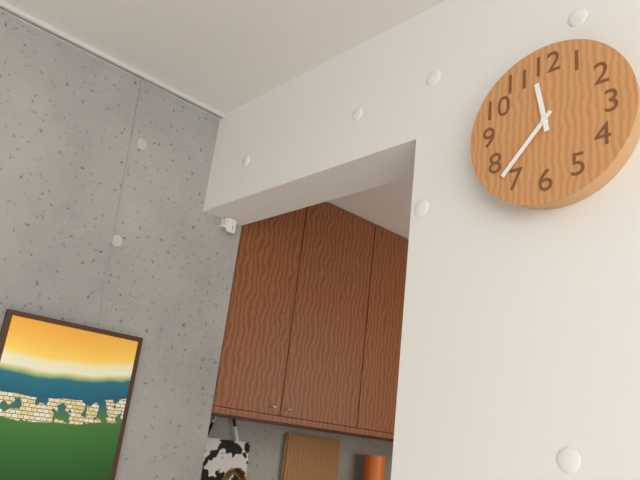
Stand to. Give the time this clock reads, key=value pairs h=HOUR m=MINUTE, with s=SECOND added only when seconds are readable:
h=11 m=37
